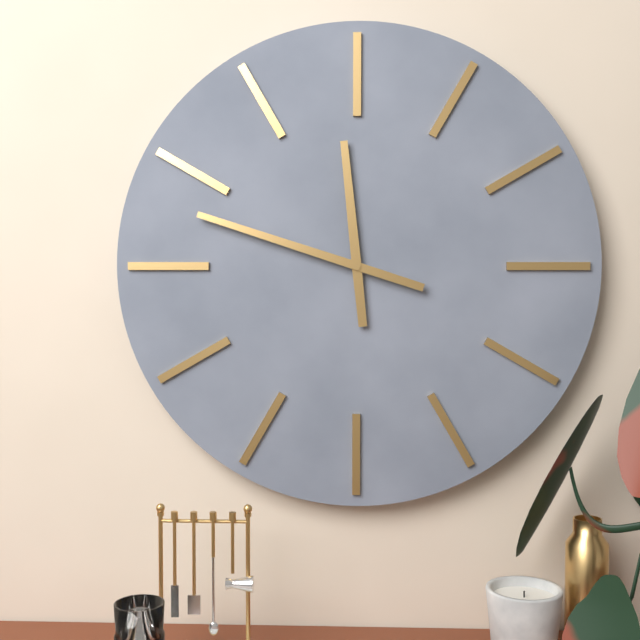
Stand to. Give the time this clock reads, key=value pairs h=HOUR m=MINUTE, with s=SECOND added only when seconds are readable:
h=11 m=48
